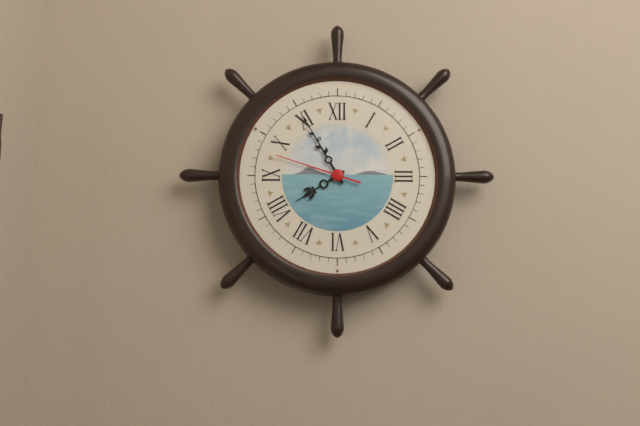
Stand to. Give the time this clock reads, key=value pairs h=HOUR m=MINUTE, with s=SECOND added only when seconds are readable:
h=7 m=55 s=48
